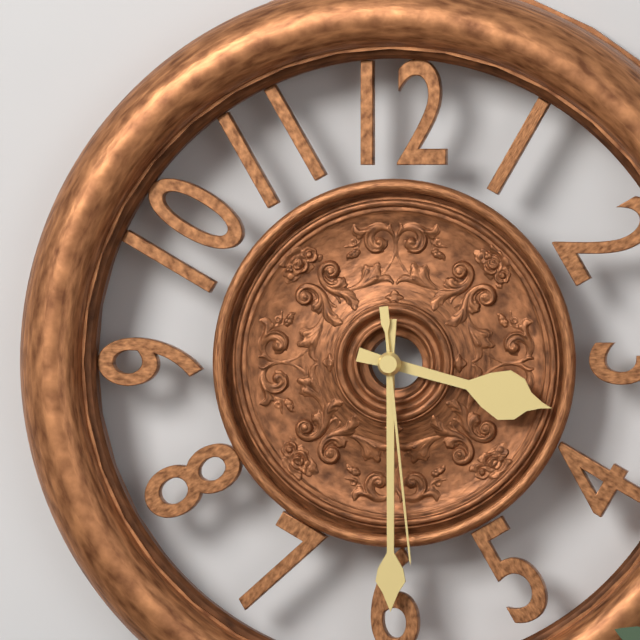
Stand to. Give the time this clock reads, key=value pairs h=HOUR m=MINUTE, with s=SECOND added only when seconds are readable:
h=3 m=30 s=29
